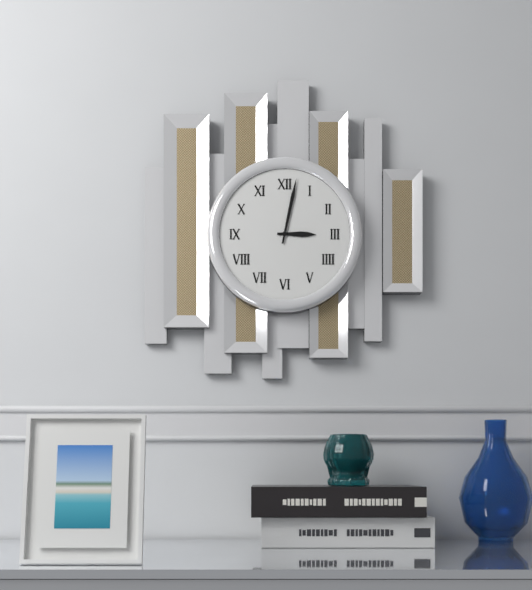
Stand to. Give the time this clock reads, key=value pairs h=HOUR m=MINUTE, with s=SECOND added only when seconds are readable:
h=3 m=2
